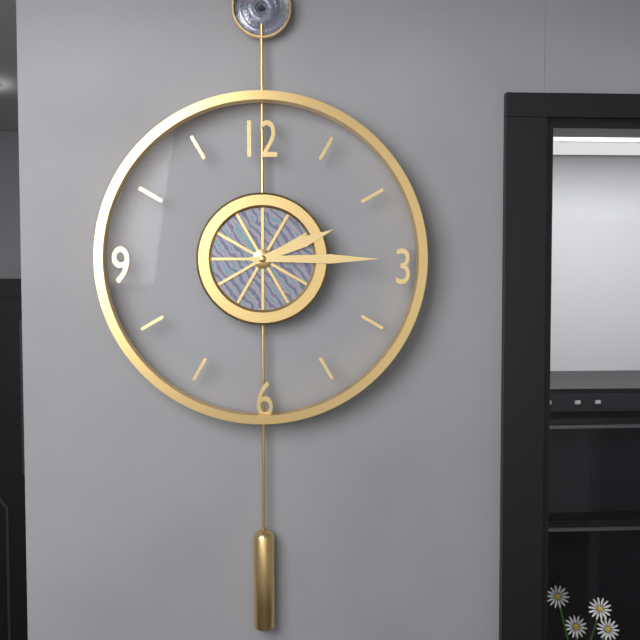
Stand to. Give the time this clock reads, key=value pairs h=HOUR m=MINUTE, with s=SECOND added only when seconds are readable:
h=2 m=15
